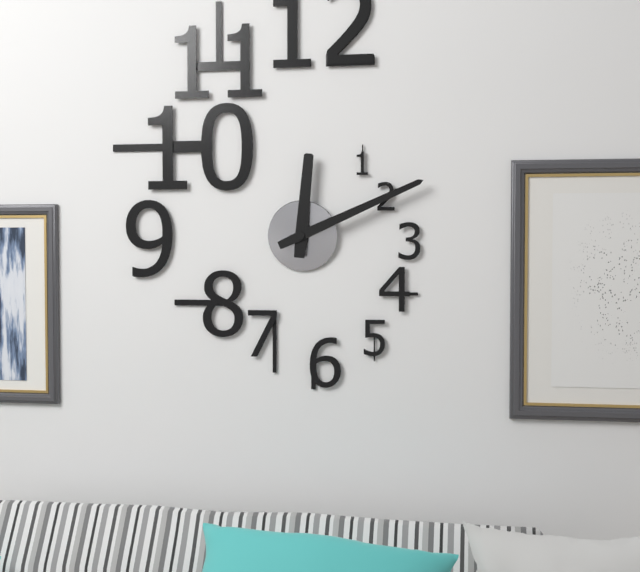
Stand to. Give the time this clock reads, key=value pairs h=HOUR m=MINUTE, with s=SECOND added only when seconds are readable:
h=12 m=11
